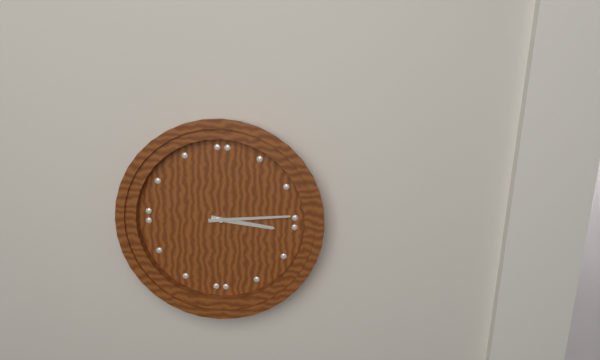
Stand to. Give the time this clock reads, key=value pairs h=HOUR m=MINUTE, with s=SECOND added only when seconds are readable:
h=3 m=14
